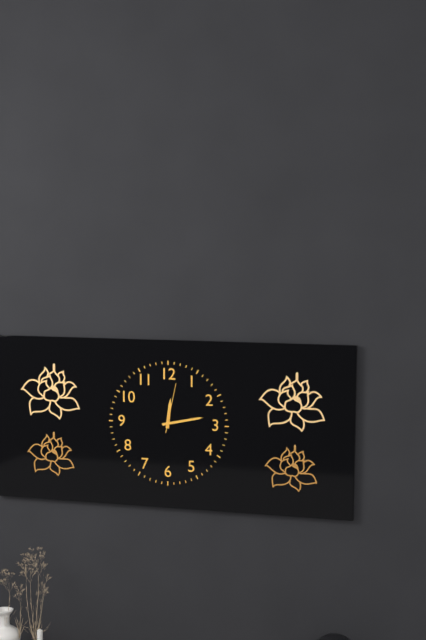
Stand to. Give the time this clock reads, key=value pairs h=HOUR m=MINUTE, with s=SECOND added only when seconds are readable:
h=12 m=13 s=2
